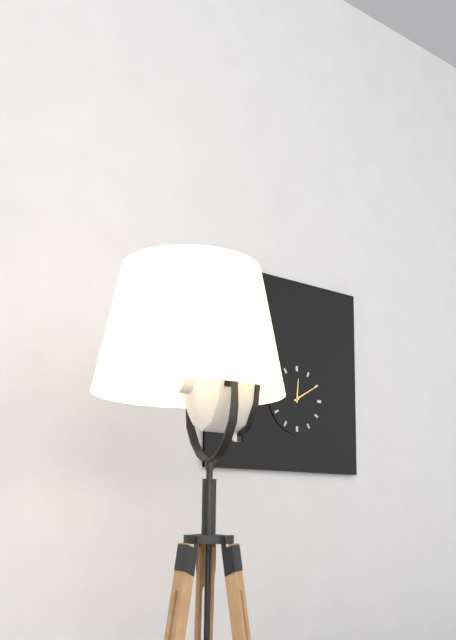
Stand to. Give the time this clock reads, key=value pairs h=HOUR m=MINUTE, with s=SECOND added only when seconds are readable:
h=12 m=10
